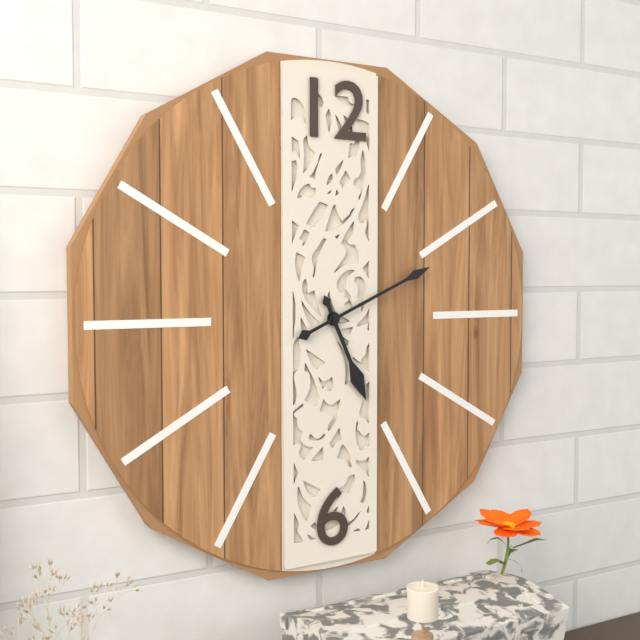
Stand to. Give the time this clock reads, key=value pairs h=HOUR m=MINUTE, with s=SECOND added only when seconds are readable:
h=5 m=11
